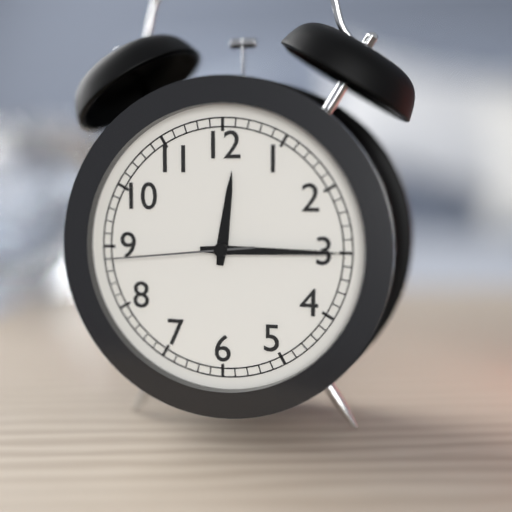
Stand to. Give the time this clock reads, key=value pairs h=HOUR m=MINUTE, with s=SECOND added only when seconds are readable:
h=12 m=15 s=44
